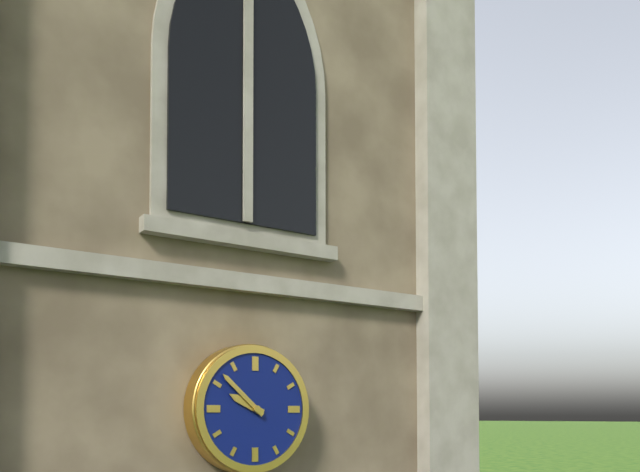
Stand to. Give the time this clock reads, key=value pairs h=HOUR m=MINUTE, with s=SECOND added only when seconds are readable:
h=9 m=52
